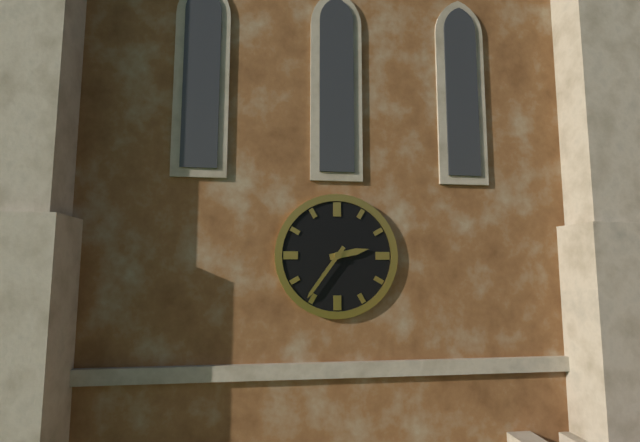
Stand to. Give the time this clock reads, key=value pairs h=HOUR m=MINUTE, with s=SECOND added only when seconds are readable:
h=2 m=36
